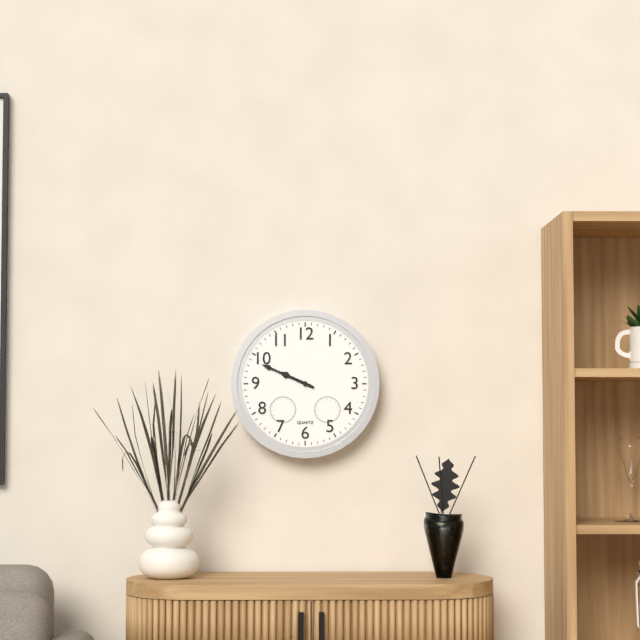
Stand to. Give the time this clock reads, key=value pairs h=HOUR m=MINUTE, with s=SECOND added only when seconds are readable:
h=9 m=49
